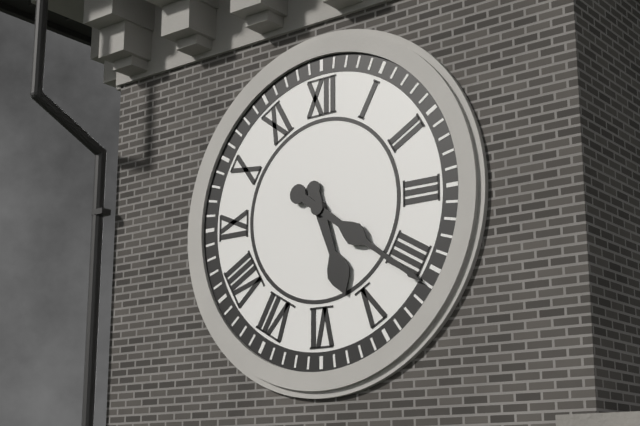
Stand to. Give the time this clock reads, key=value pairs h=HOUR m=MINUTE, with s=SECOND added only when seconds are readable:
h=5 m=21
